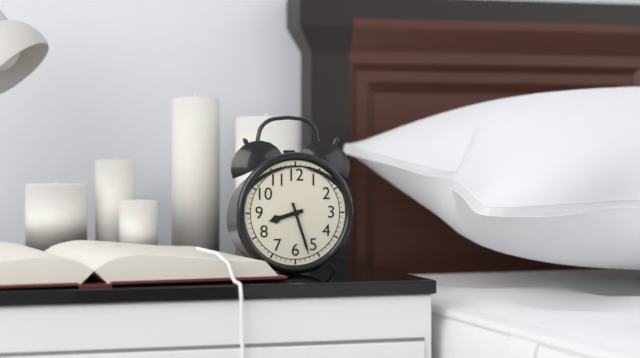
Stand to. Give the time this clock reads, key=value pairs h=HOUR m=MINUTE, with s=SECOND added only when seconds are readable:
h=8 m=27
